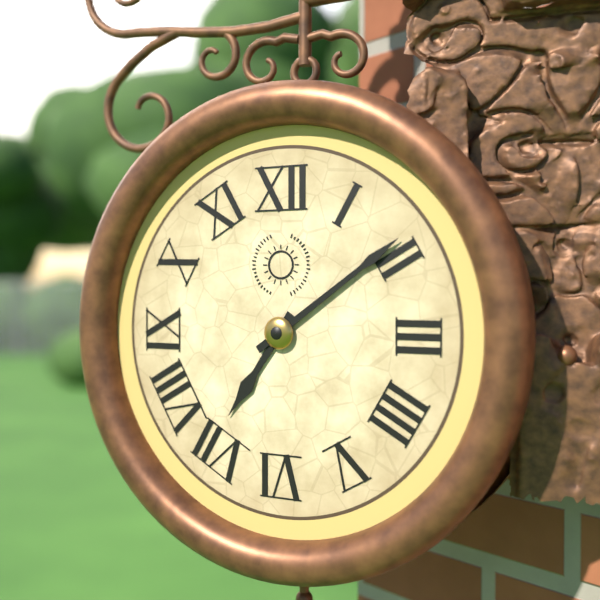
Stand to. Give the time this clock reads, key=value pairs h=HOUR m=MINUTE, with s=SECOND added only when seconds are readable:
h=7 m=9
